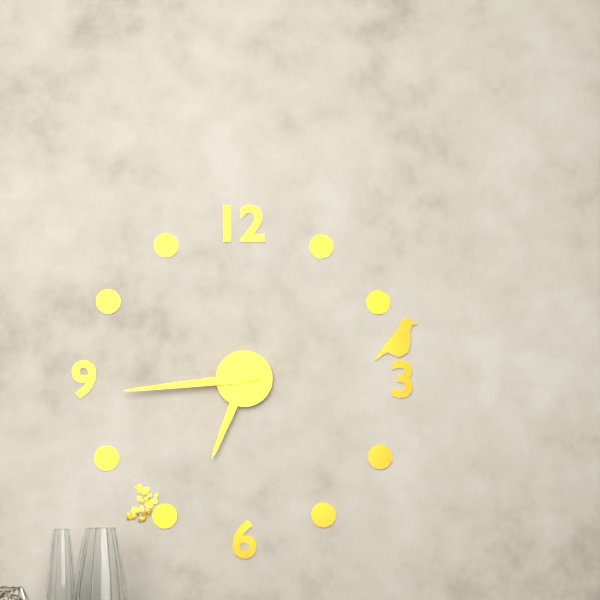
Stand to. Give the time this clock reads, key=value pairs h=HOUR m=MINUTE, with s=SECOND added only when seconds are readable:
h=6 m=44
